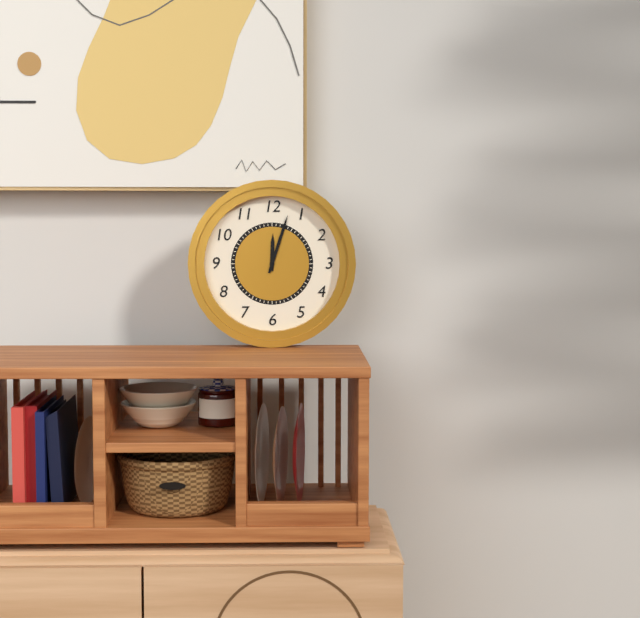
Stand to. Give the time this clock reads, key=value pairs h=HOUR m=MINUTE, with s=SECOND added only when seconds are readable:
h=12 m=3
